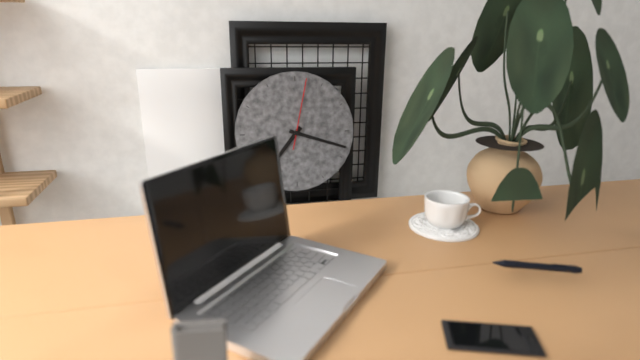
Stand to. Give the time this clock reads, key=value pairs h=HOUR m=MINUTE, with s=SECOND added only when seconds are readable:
h=7 m=18 s=2
